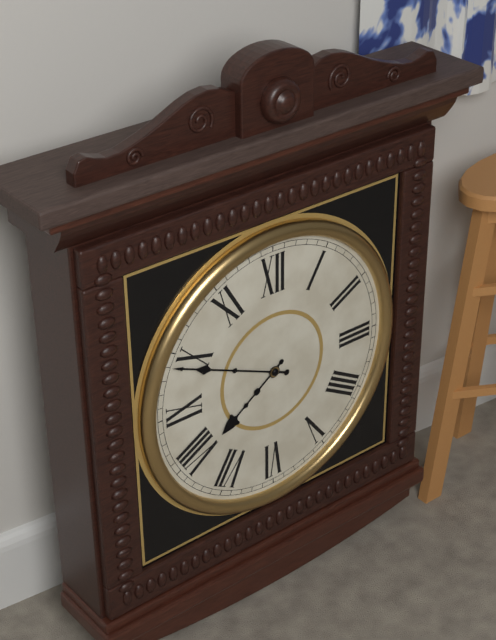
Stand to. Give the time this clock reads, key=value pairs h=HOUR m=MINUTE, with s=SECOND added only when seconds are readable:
h=7 m=49
